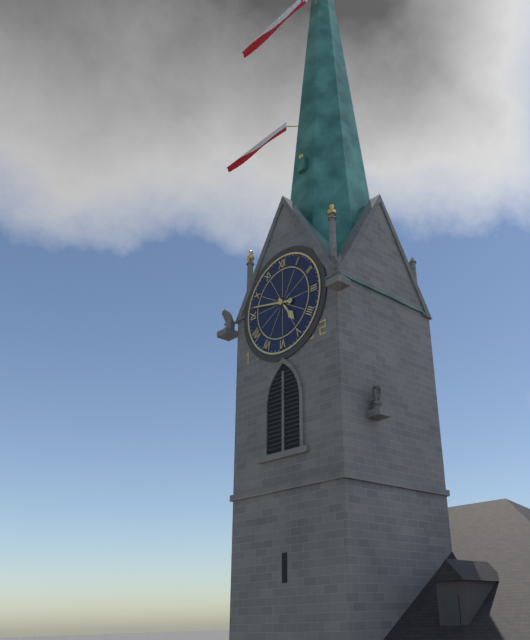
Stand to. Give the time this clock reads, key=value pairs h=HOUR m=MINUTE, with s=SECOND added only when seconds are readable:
h=4 m=47
